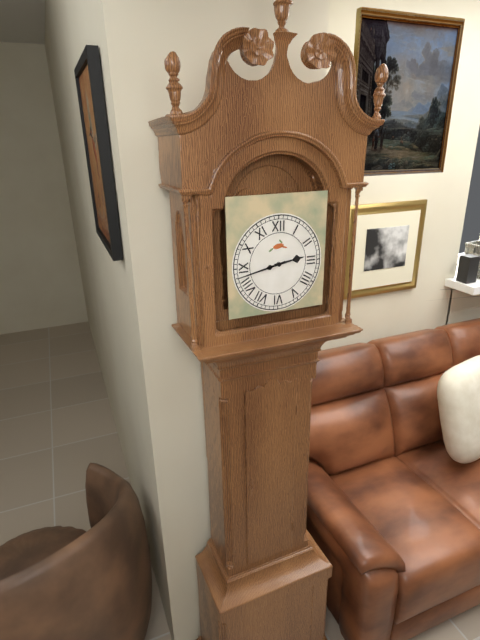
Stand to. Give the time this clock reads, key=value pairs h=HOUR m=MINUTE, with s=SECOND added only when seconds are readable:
h=2 m=43
